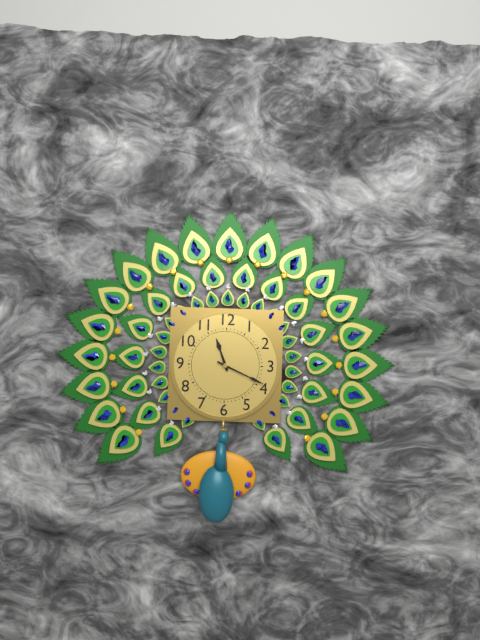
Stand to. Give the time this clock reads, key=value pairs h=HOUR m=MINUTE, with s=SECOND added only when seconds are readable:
h=11 m=19
